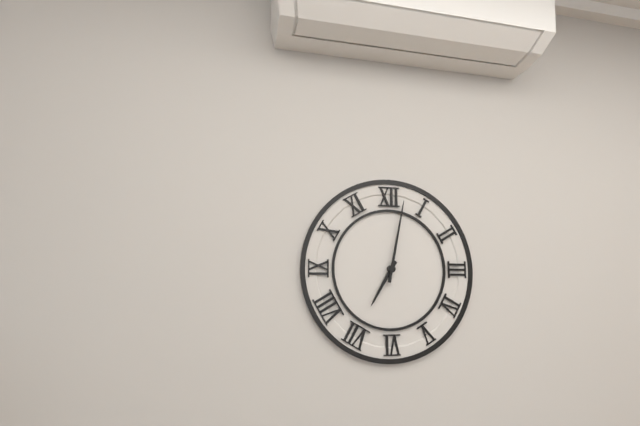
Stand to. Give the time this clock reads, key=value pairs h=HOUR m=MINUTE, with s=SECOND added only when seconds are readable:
h=7 m=2
